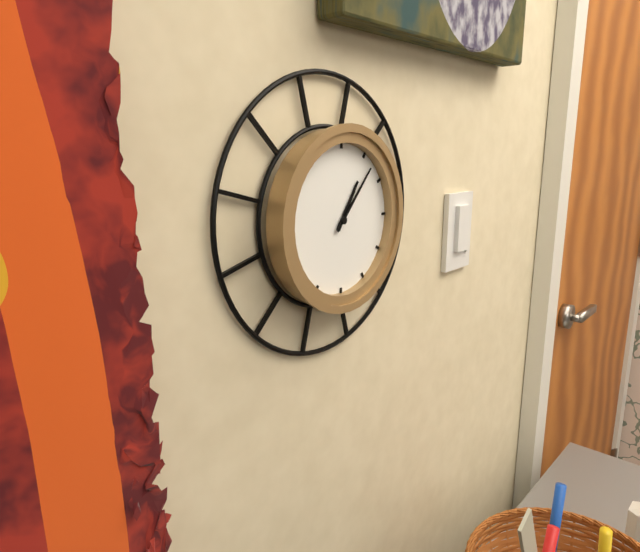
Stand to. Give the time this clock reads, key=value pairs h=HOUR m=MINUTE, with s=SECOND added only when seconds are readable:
h=1 m=7
